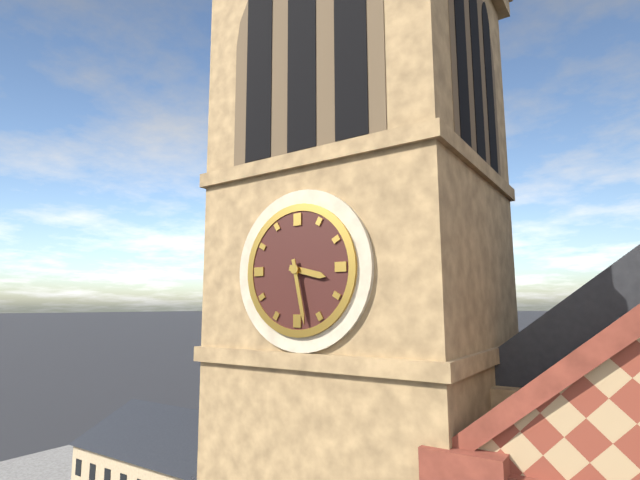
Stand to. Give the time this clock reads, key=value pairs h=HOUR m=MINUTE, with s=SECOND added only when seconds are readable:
h=3 m=28
